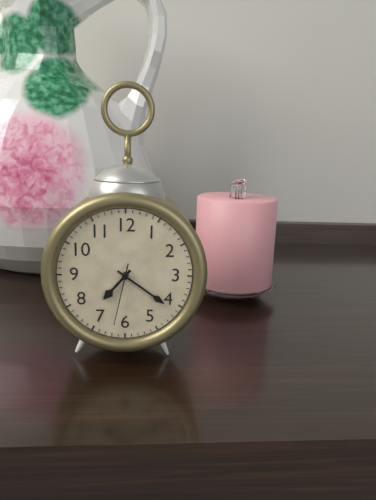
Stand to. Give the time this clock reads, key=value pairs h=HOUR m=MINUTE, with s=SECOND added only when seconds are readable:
h=7 m=21 s=32
